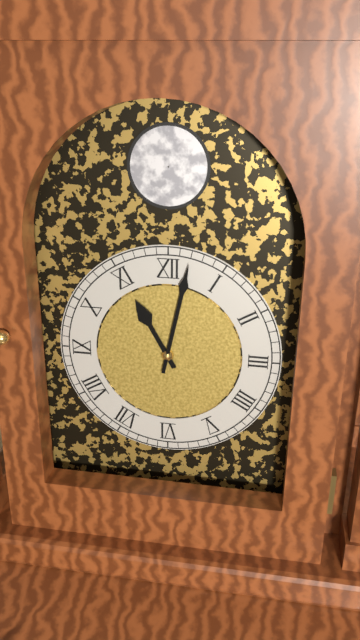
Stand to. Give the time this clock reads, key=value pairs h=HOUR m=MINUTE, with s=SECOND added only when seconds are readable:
h=11 m=2
